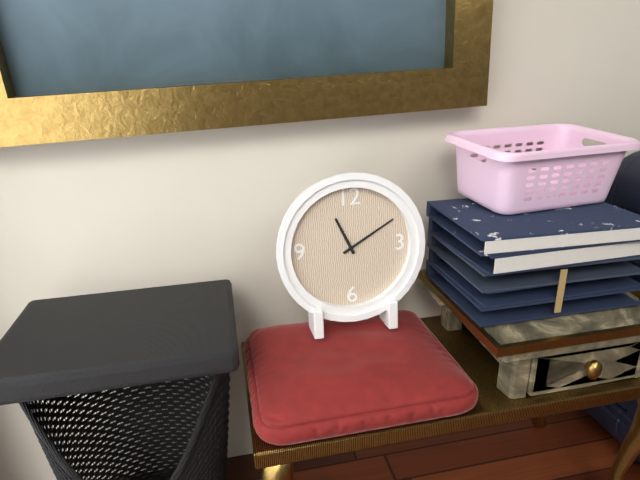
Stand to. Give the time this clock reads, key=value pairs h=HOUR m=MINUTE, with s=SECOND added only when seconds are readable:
h=11 m=10
